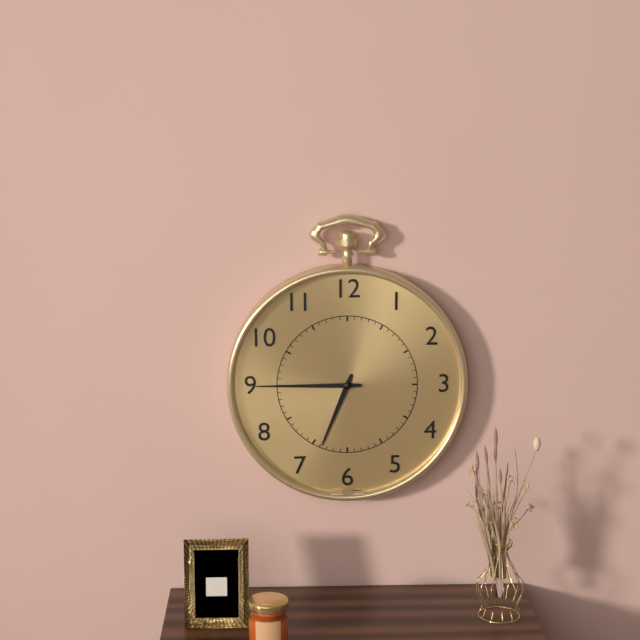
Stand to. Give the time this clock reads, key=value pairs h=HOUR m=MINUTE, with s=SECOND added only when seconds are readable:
h=6 m=45
